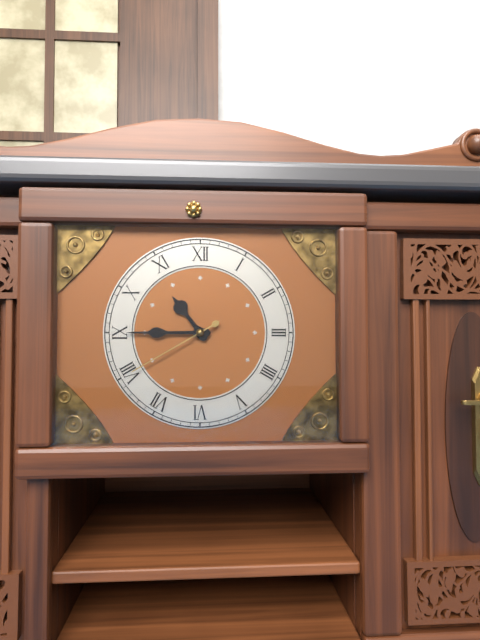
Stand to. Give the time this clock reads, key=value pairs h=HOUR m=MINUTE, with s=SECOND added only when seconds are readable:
h=10 m=45 s=40
